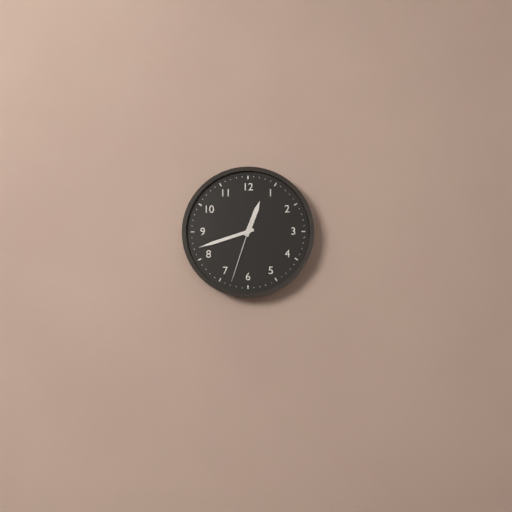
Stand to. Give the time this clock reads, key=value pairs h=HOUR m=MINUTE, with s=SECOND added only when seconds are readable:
h=12 m=42 s=33
